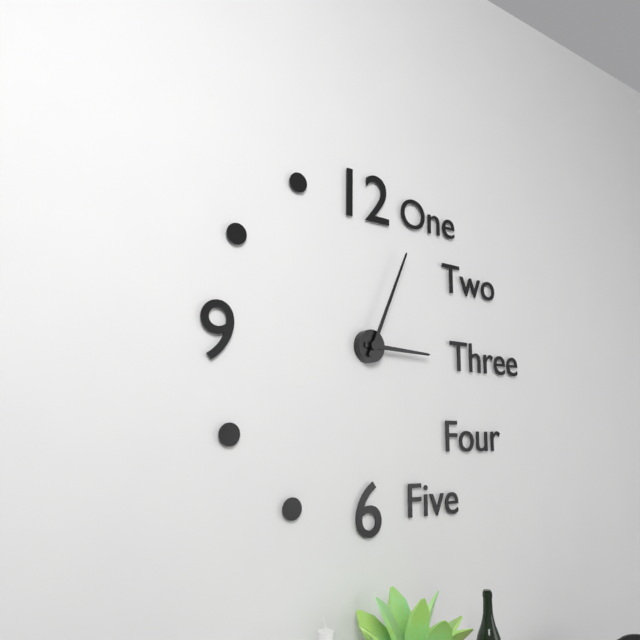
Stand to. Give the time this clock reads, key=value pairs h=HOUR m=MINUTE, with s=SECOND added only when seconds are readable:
h=3 m=4
